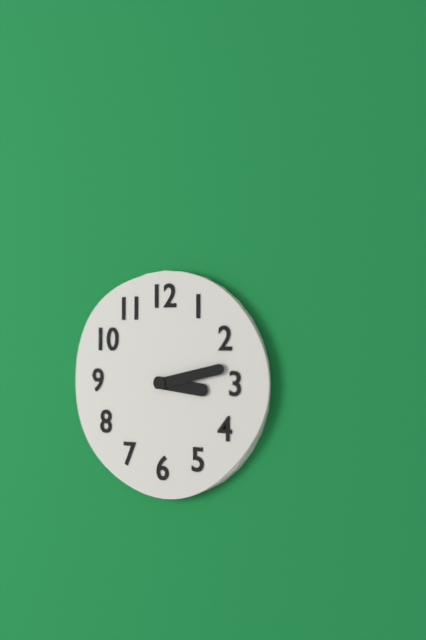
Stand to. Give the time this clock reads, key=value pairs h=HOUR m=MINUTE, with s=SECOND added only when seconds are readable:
h=3 m=13
